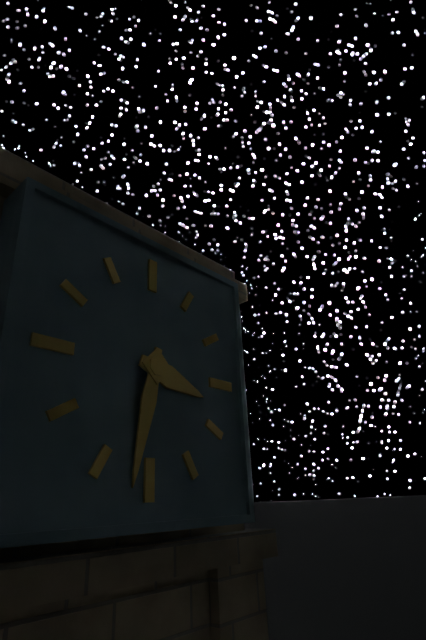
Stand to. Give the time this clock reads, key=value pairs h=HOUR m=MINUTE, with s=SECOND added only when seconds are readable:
h=3 m=32
